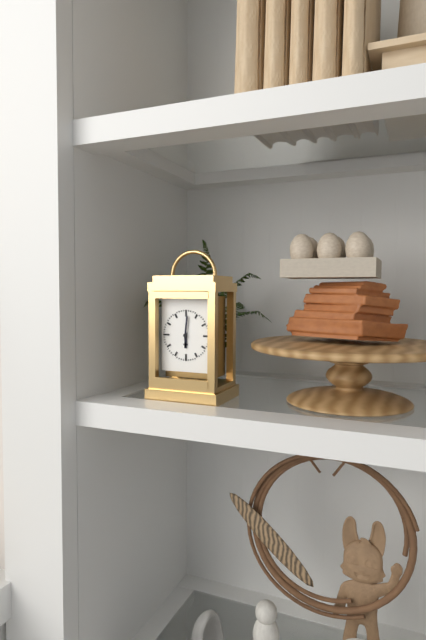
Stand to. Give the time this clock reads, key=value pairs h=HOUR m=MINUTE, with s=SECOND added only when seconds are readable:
h=6 m=1
